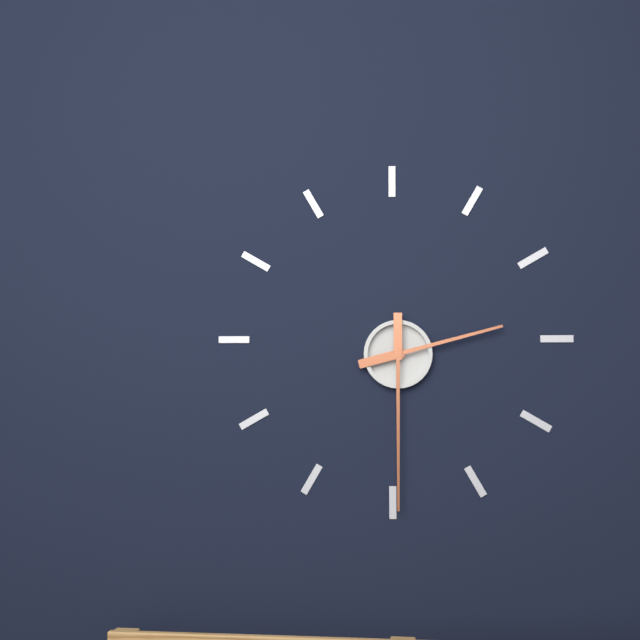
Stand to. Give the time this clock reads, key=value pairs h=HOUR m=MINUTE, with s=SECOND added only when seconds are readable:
h=2 m=30
